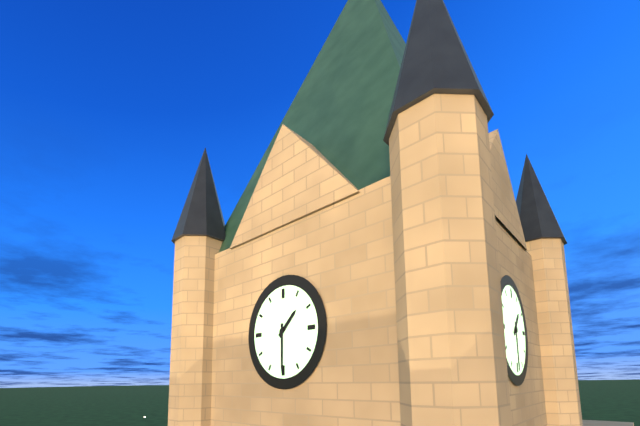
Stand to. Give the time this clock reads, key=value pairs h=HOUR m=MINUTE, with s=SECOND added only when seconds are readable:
h=1 m=30
